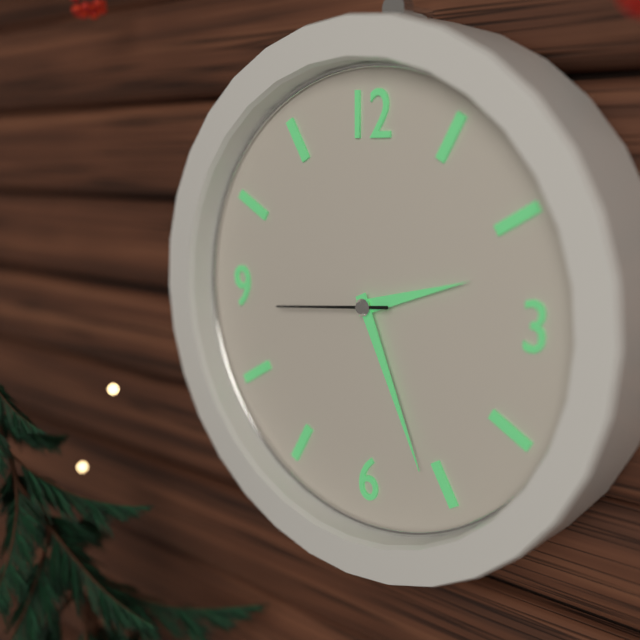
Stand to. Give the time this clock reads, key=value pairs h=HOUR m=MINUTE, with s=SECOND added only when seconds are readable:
h=2 m=26 s=44
